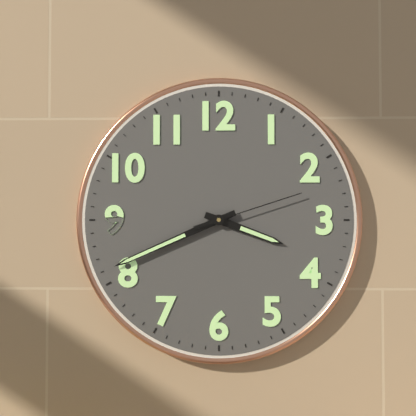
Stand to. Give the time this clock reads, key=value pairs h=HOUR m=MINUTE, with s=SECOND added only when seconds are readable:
h=3 m=41 s=12
